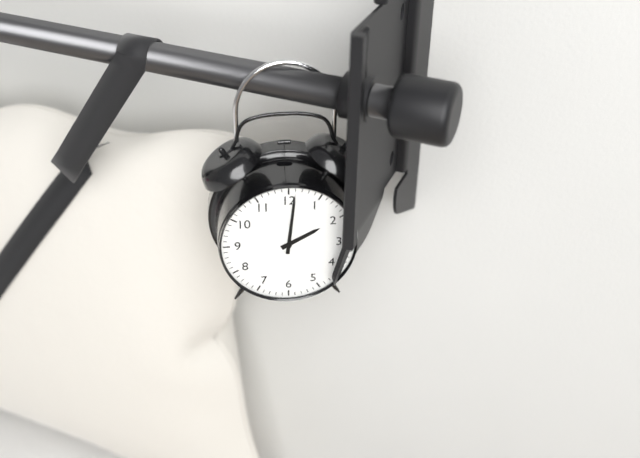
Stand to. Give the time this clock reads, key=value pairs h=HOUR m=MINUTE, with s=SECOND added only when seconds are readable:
h=2 m=1
